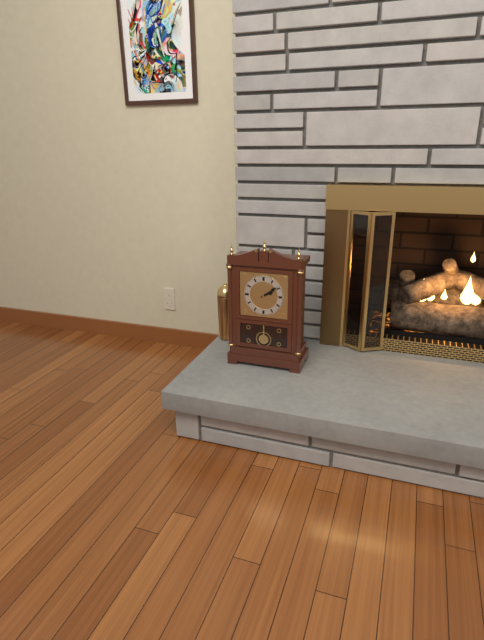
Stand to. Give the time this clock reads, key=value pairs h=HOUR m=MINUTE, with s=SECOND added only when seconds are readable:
h=2 m=9
